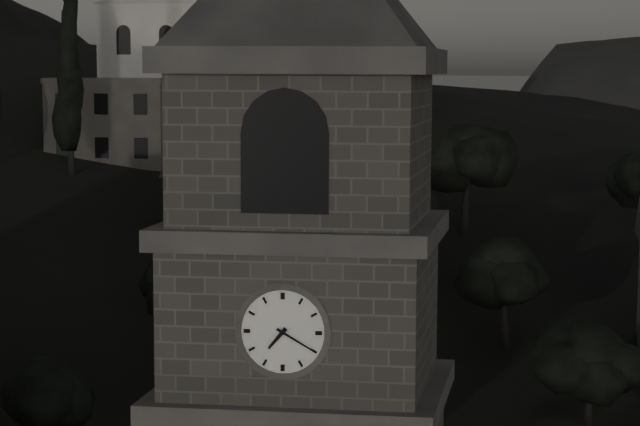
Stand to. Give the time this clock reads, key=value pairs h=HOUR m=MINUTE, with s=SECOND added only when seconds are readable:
h=7 m=20
